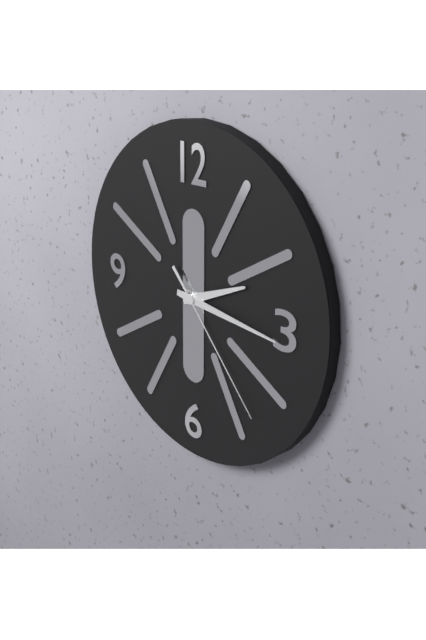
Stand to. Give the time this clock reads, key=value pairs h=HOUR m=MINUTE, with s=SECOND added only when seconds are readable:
h=2 m=16 s=23
